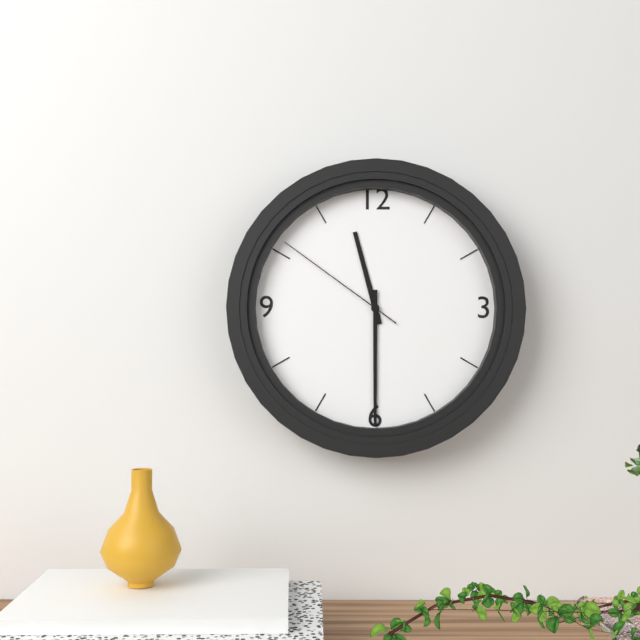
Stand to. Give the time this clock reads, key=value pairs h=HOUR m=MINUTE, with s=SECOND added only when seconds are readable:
h=11 m=30 s=51
